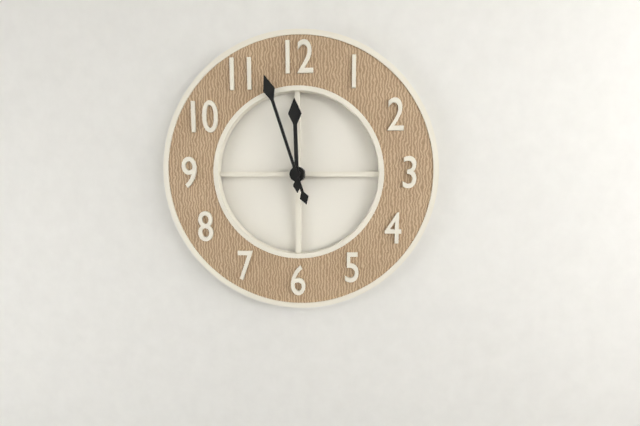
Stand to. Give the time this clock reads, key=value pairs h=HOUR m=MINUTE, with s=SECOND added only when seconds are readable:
h=11 m=57
